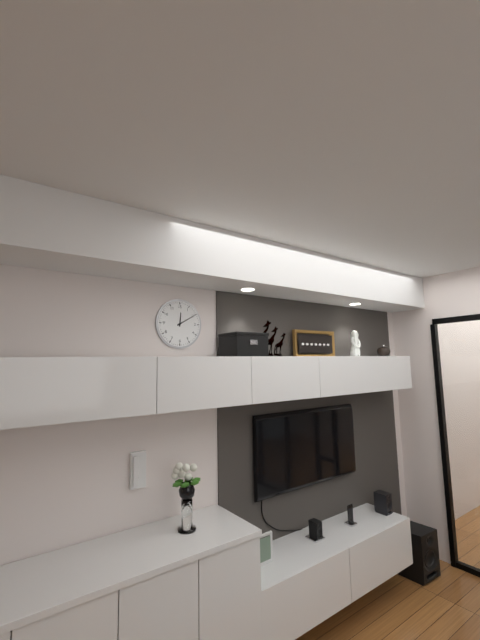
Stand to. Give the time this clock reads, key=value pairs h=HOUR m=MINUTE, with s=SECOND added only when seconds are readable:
h=12 m=10
